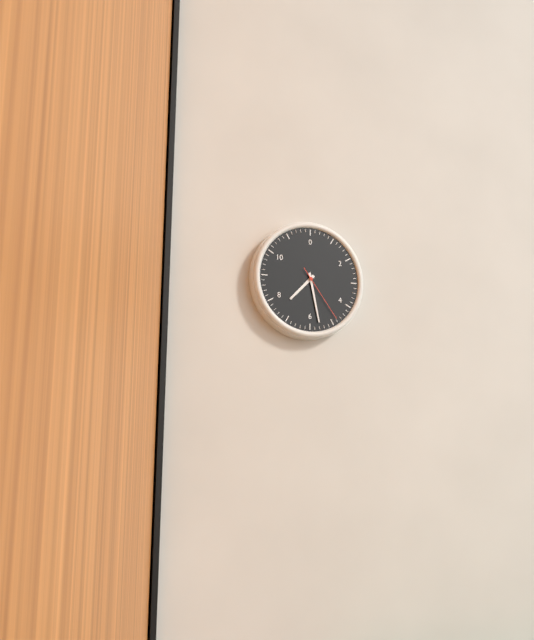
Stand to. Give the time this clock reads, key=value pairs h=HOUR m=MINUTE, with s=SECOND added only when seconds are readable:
h=7 m=28 s=24
